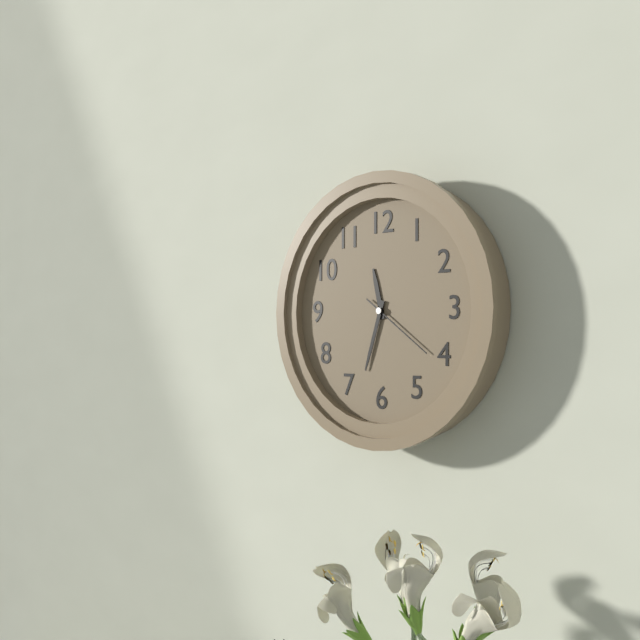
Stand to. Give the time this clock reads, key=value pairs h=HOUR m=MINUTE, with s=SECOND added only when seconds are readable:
h=11 m=33 s=21
